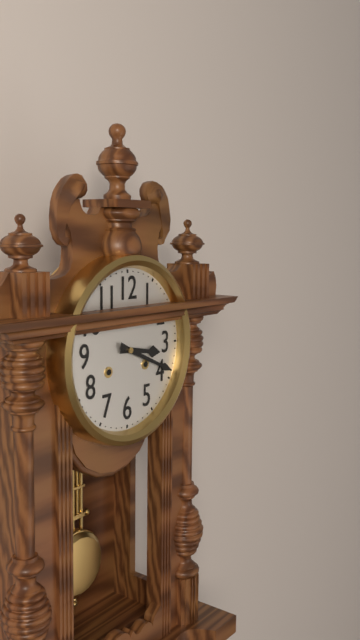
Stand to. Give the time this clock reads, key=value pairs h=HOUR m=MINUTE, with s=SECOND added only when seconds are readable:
h=3 m=19
